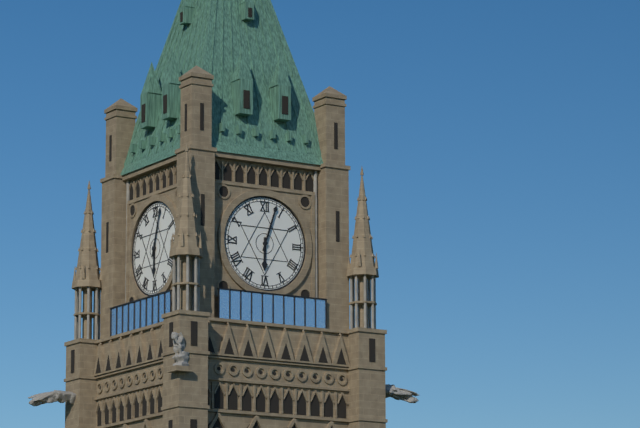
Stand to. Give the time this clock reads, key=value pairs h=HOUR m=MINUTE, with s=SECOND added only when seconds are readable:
h=6 m=3
